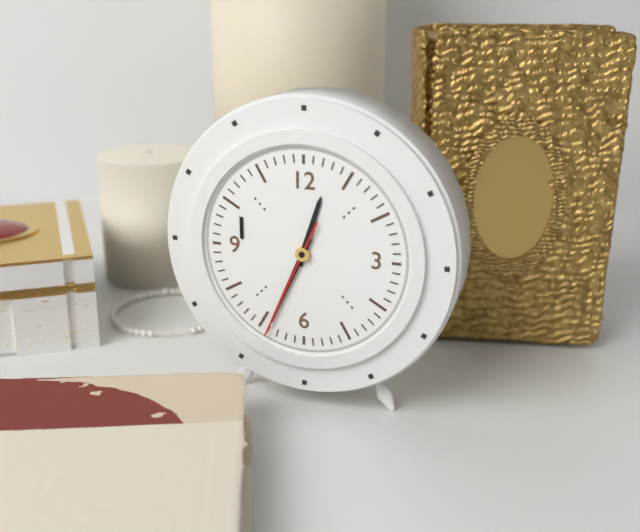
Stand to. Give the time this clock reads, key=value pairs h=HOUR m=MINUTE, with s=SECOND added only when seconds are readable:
h=12 m=34 s=34
